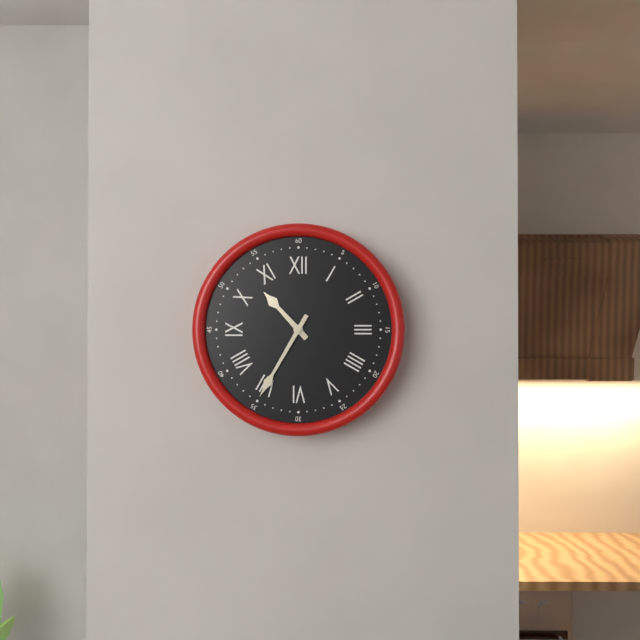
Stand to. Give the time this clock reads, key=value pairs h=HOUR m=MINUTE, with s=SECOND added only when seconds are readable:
h=10 m=35
